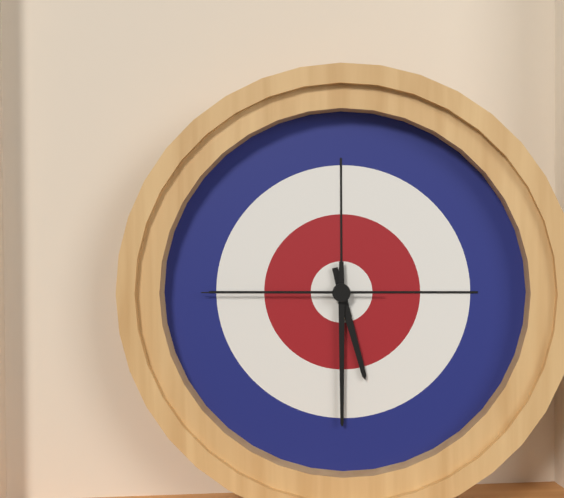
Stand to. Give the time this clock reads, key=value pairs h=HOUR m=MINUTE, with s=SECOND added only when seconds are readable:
h=5 m=30 s=45
